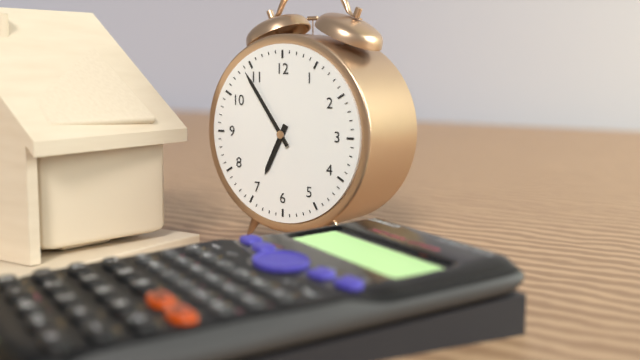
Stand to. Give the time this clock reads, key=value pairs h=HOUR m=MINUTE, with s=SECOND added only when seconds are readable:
h=6 m=54
